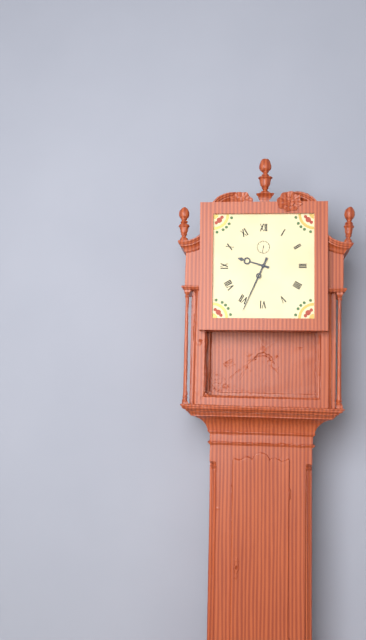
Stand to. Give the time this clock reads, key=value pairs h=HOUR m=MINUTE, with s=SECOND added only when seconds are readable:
h=9 m=34
